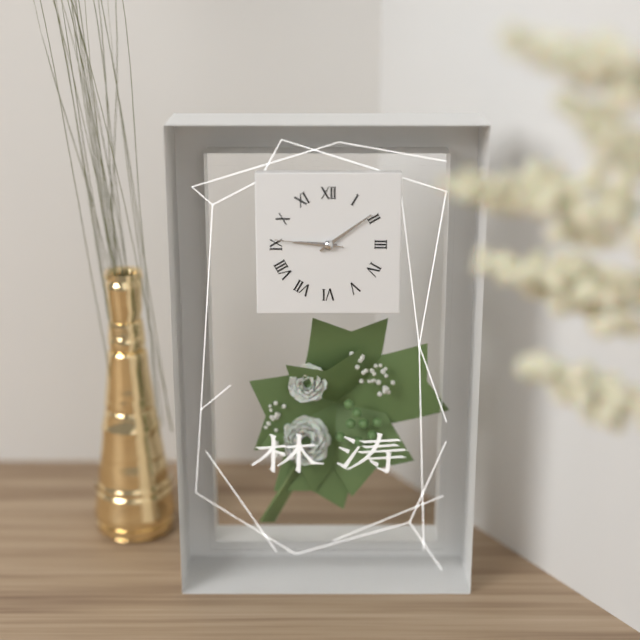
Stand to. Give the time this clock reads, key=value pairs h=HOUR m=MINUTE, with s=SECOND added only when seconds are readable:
h=9 m=9 s=46
